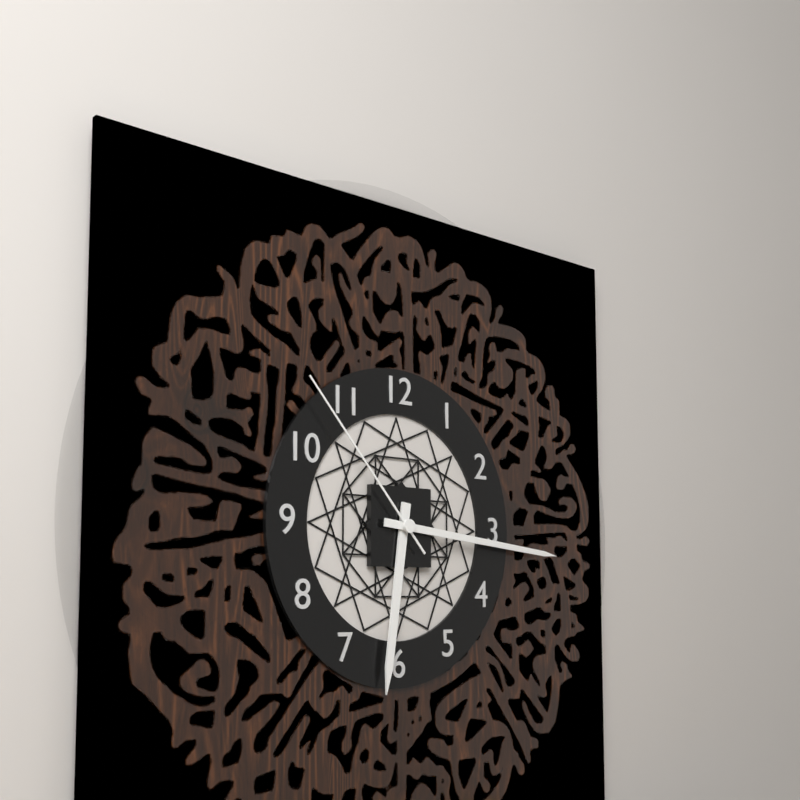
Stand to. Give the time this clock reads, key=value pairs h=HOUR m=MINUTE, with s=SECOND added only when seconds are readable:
h=6 m=16 s=53
